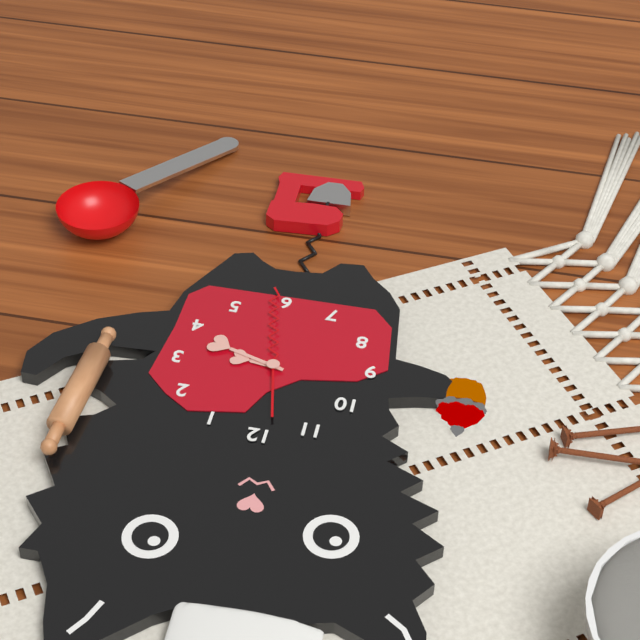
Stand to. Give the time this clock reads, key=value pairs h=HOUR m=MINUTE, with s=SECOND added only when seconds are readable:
h=3 m=18 s=28
